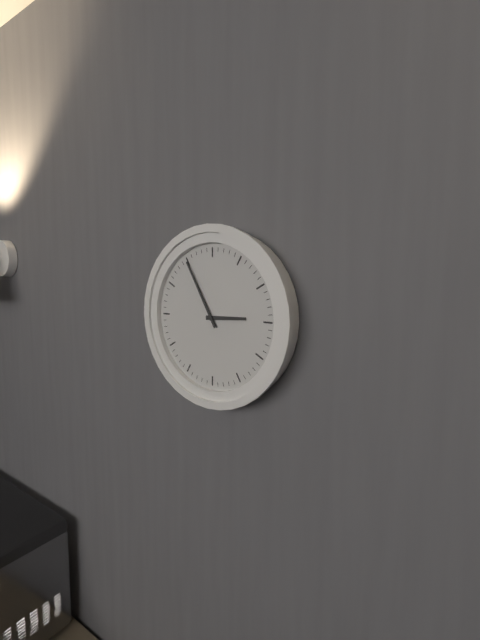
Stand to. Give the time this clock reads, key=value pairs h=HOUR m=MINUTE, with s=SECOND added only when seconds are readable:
h=2 m=55
